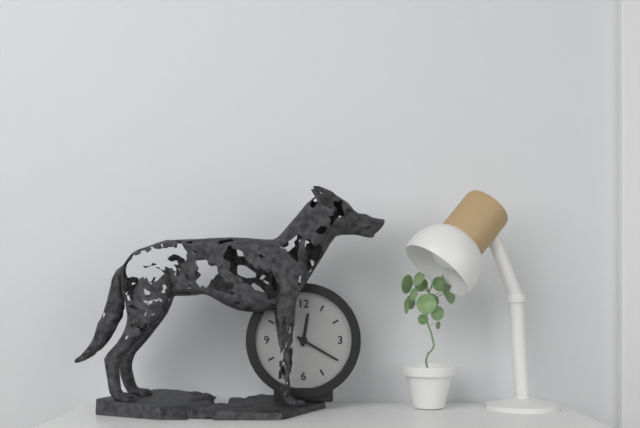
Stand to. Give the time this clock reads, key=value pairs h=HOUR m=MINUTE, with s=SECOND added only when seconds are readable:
h=12 m=20
